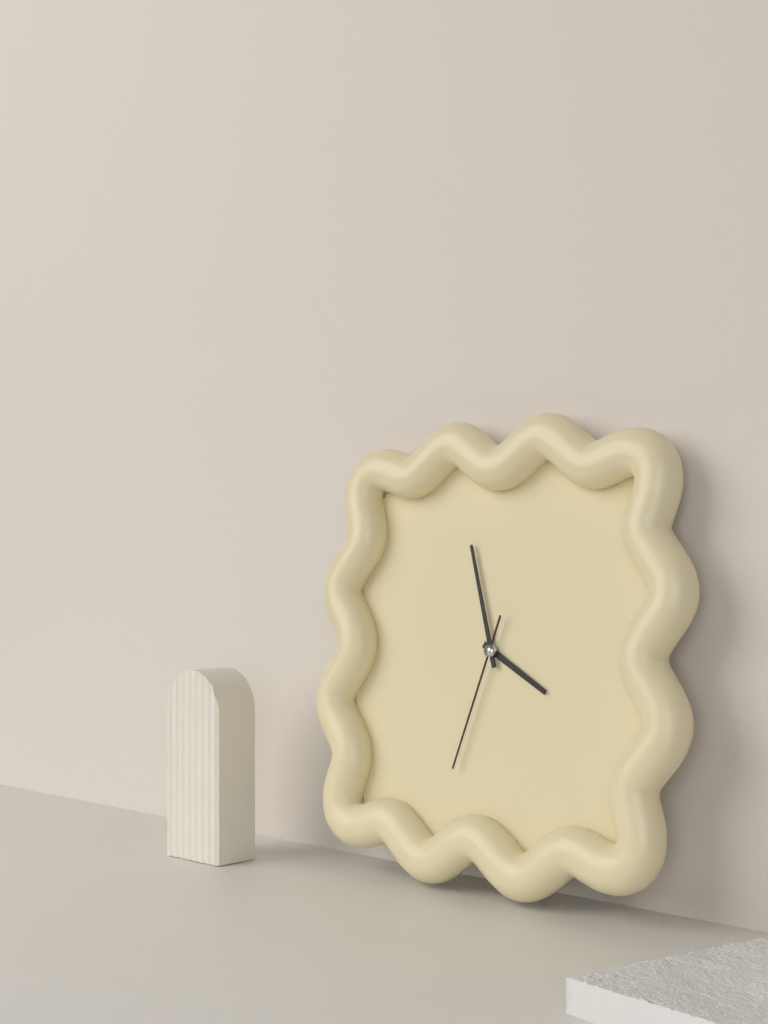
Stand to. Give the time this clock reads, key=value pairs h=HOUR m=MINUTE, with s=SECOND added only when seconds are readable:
h=3 m=57 s=33
